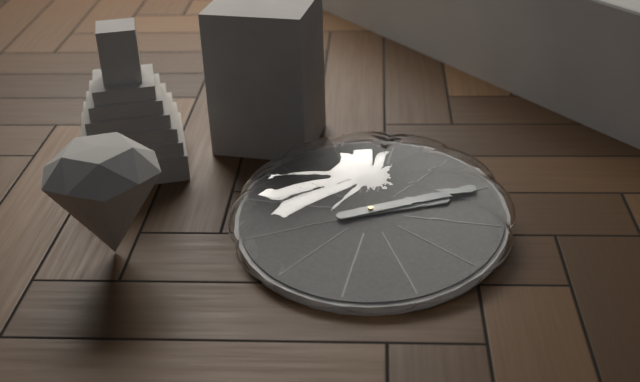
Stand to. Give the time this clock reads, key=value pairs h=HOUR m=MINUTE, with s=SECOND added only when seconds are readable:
h=2 m=10
